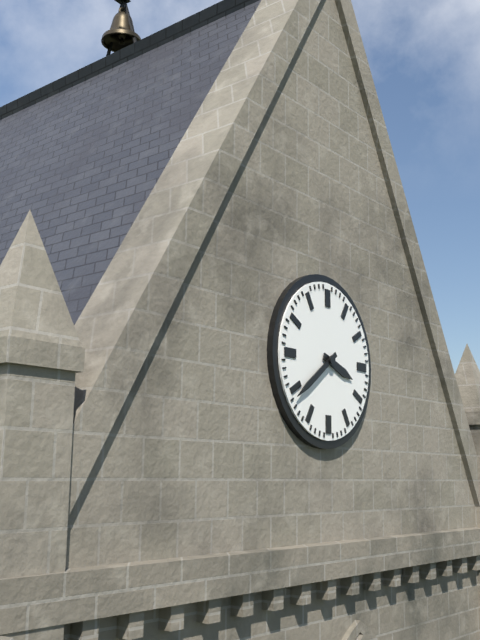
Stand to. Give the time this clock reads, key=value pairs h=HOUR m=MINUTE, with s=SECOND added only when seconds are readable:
h=3 m=39
